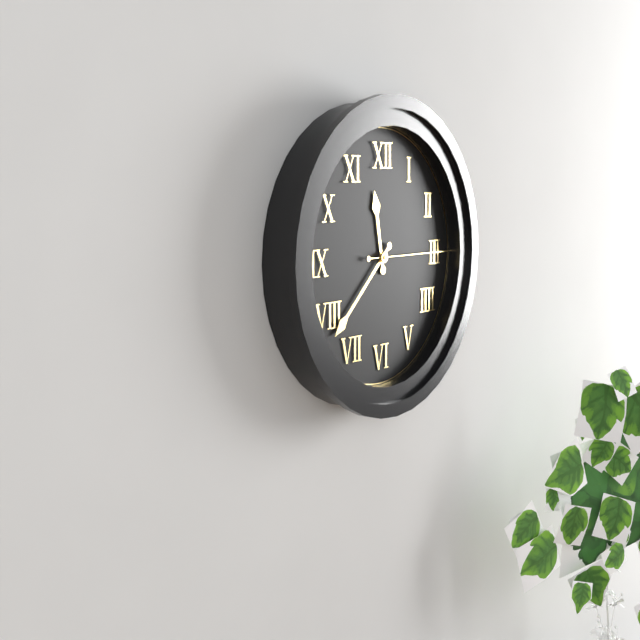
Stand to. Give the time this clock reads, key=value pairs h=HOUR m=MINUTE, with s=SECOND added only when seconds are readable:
h=11 m=38 s=15
